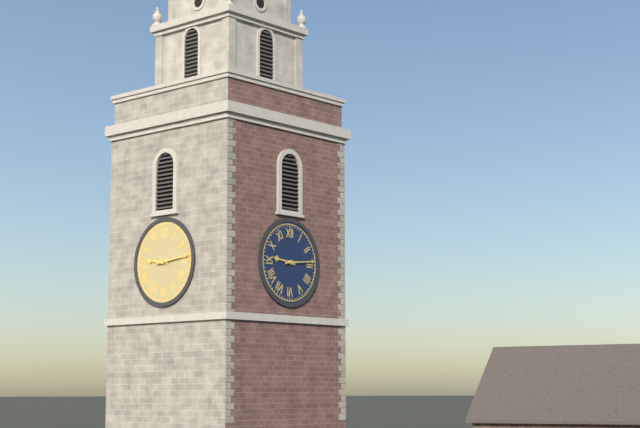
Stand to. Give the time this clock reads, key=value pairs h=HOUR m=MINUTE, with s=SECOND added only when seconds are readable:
h=9 m=14
